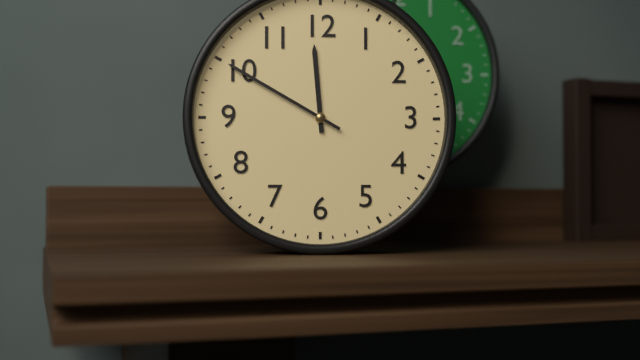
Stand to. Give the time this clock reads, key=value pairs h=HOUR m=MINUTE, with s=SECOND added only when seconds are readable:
h=11 m=50
